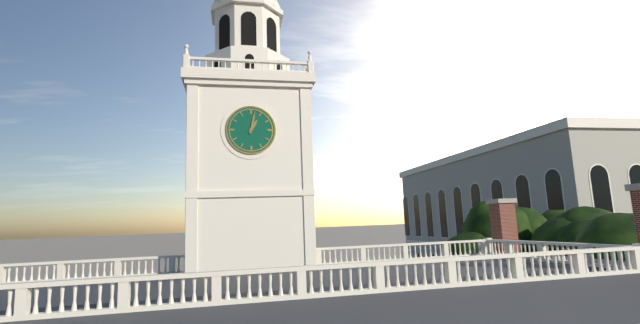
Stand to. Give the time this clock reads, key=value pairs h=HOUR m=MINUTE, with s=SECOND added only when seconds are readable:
h=1 m=2
